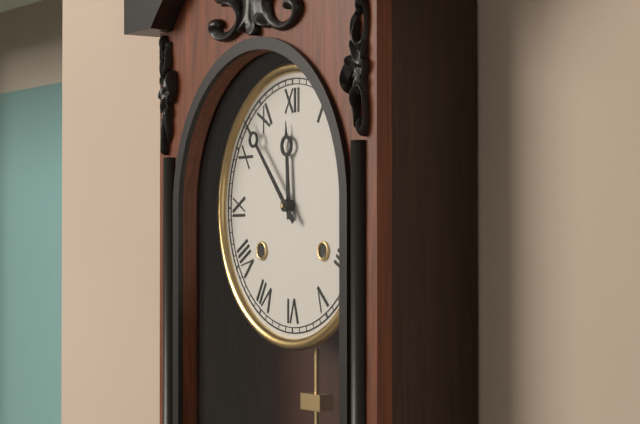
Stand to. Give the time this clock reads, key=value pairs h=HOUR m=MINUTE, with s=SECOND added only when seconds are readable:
h=11 m=53
